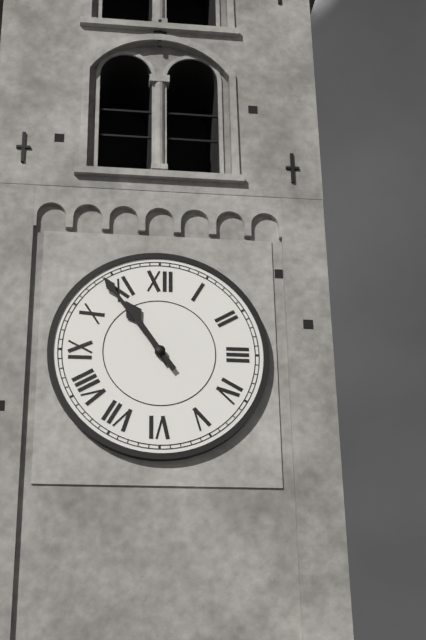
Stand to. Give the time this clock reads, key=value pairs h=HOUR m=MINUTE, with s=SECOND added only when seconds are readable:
h=10 m=54
